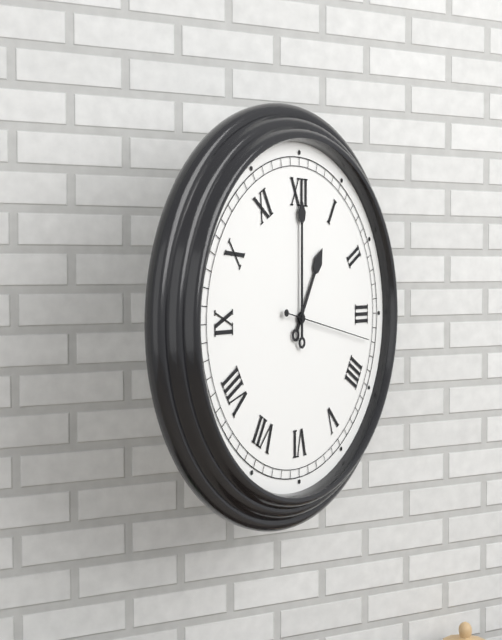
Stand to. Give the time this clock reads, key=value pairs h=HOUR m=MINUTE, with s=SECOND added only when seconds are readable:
h=1 m=0 s=17
